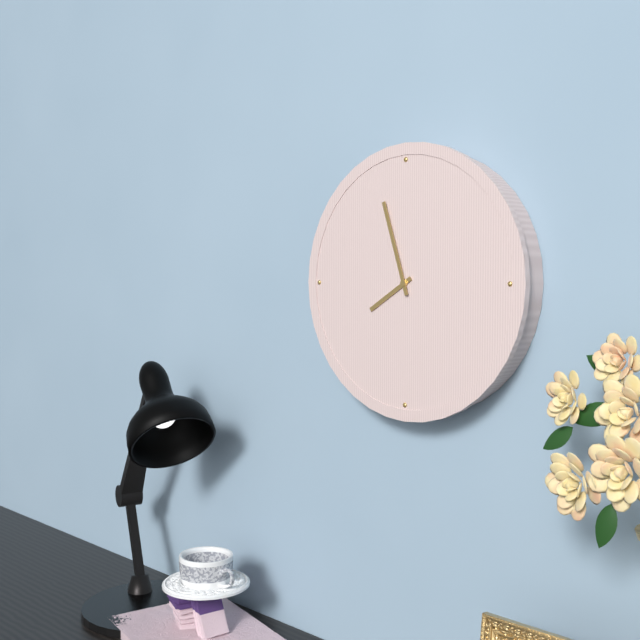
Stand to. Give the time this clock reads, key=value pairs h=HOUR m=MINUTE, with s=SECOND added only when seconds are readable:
h=7 m=57
